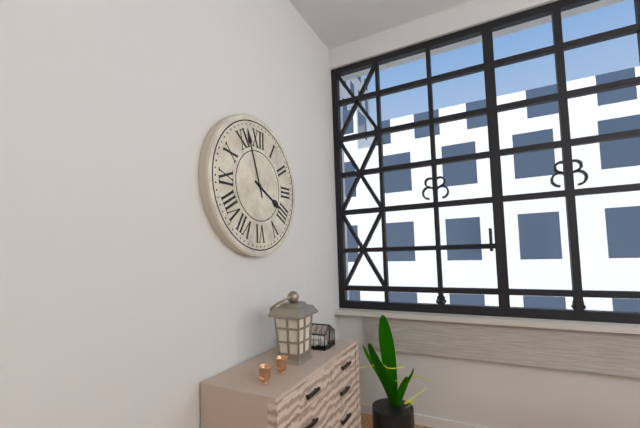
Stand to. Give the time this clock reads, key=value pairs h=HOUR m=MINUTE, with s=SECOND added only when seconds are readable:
h=3 m=57
